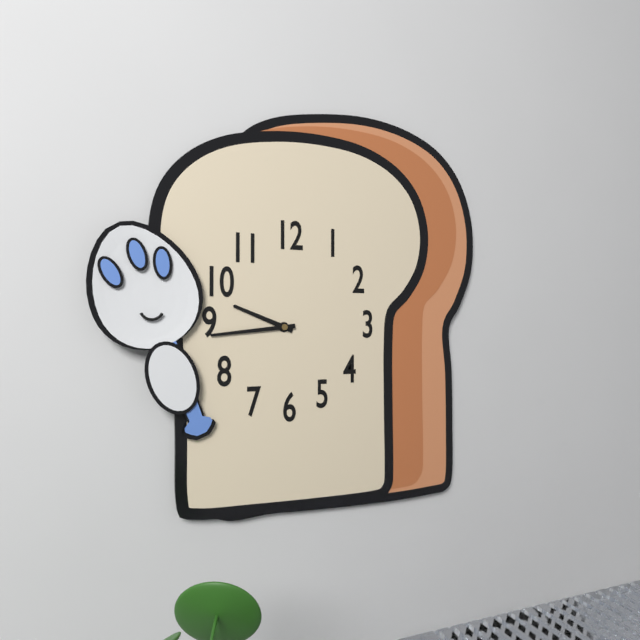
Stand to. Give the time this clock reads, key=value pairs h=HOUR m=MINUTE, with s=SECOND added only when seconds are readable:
h=9 m=44
